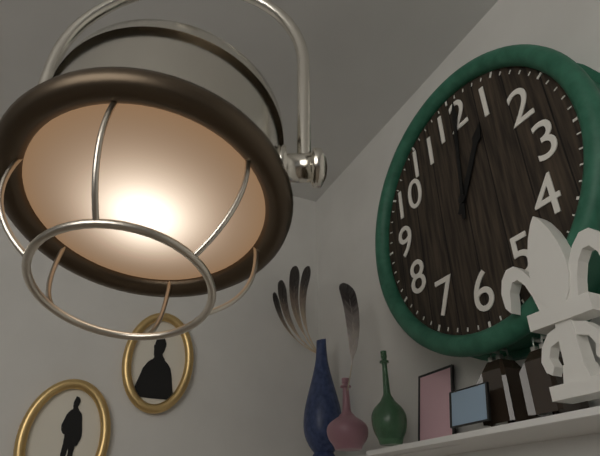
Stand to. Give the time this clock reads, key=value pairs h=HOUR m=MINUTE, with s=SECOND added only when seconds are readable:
h=1 m=1
